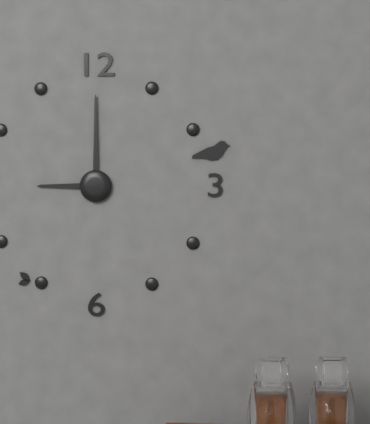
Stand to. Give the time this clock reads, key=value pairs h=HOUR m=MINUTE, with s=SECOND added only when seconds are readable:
h=9 m=0
